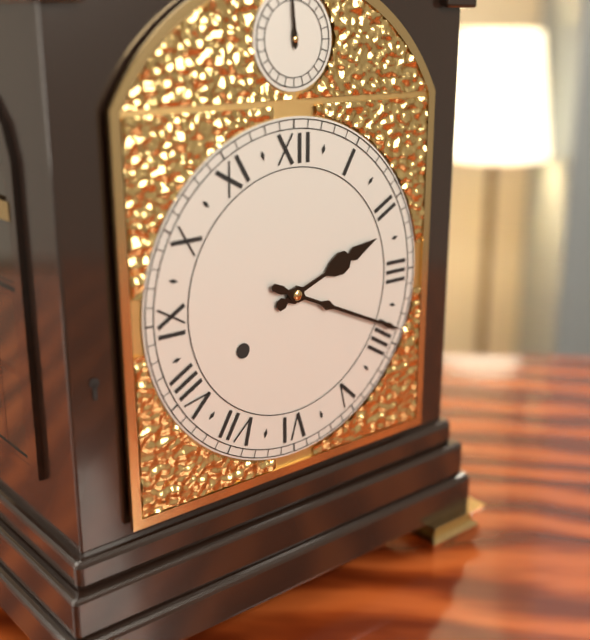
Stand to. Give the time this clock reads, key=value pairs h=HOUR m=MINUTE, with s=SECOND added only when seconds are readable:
h=2 m=19
